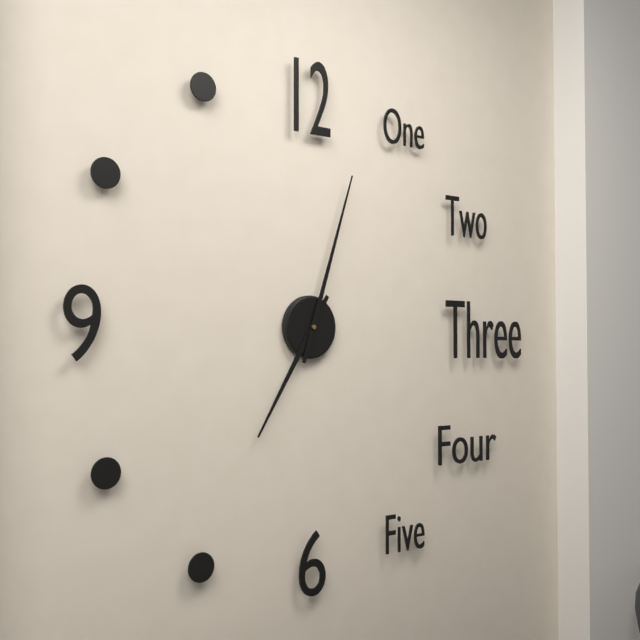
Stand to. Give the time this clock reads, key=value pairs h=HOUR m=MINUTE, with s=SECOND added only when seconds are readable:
h=7 m=3
